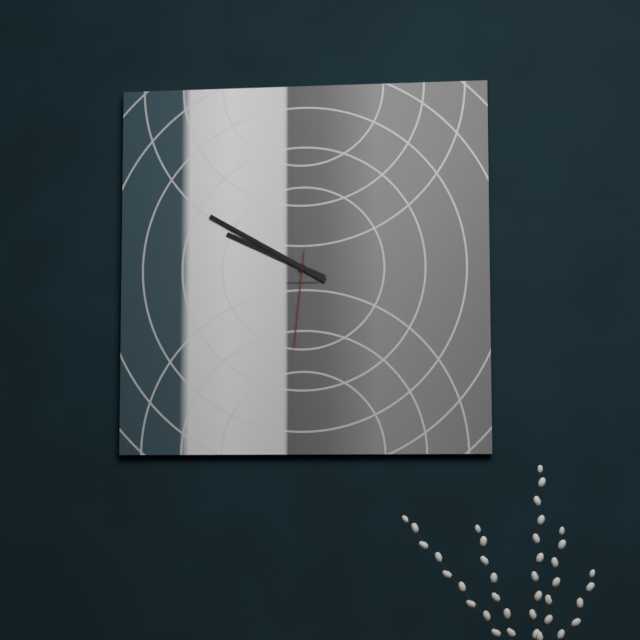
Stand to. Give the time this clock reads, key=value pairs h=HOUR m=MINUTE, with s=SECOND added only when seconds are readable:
h=9 m=50 s=31
